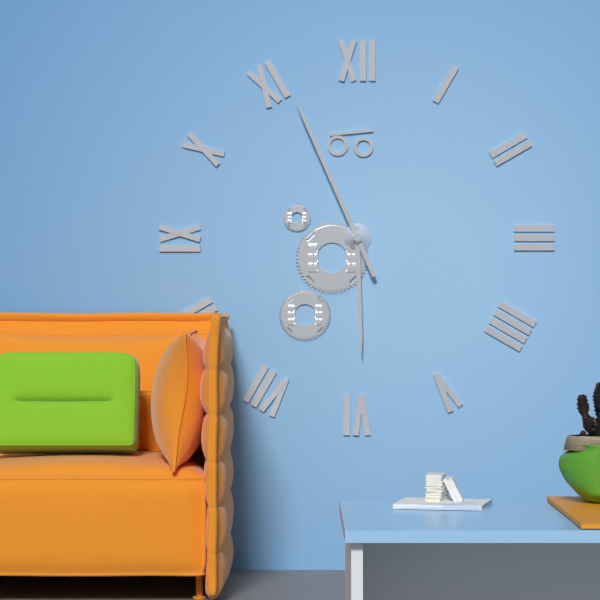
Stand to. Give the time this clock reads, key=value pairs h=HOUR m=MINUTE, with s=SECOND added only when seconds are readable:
h=5 m=56
